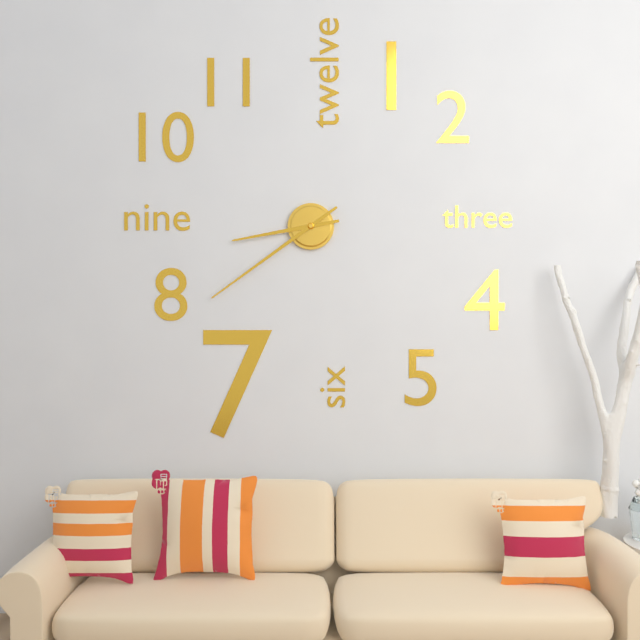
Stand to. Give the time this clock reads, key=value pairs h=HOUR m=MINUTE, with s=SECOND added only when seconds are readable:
h=8 m=39
